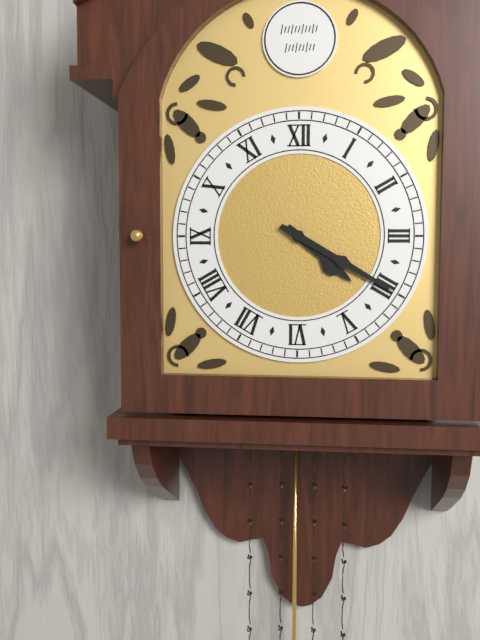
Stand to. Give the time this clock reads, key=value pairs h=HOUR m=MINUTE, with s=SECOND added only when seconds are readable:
h=4 m=20
